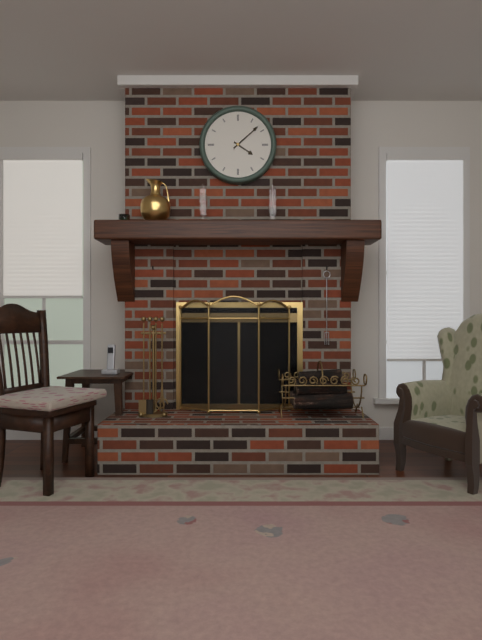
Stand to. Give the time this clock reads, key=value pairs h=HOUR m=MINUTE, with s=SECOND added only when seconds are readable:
h=4 m=8
